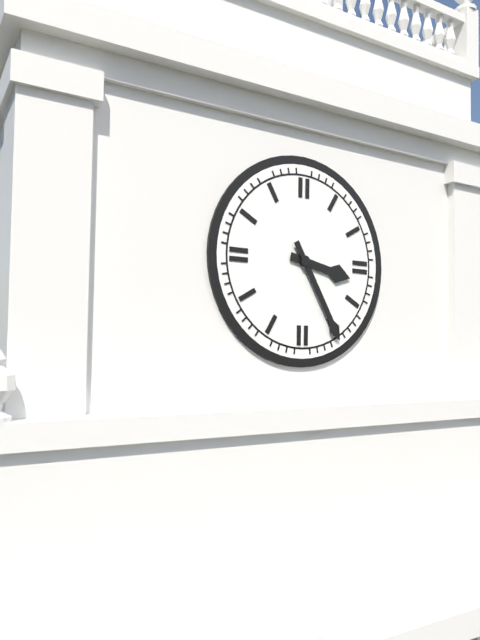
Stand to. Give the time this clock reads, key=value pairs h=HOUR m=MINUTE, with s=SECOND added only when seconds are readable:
h=3 m=25
